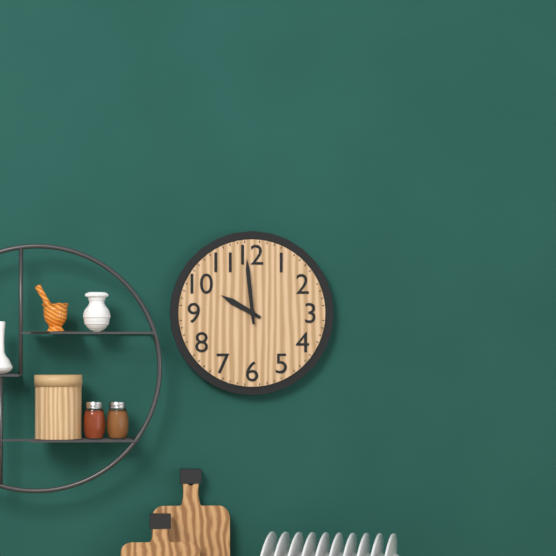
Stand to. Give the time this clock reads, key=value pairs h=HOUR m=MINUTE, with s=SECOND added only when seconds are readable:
h=9 m=59
